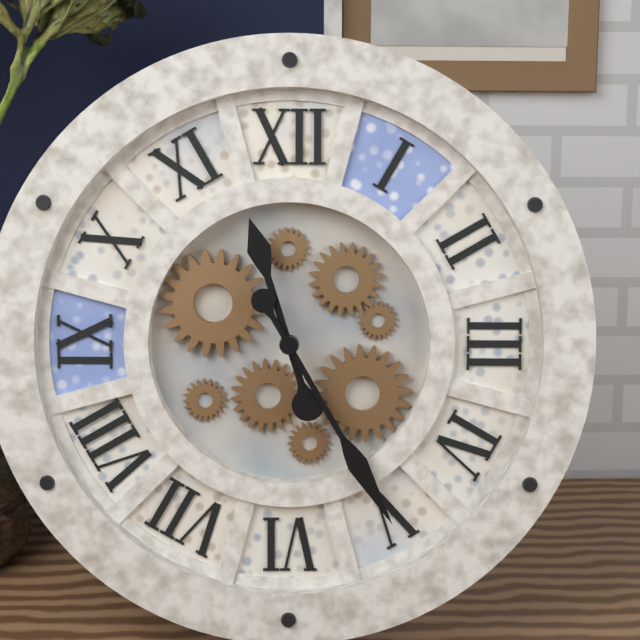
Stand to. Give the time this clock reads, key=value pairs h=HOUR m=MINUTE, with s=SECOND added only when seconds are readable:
h=11 m=25
